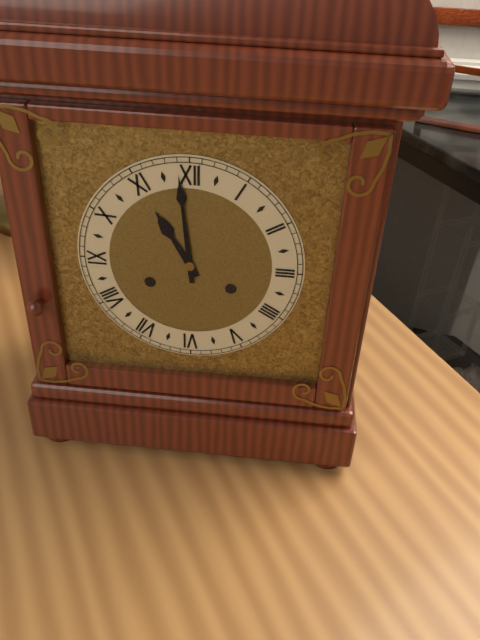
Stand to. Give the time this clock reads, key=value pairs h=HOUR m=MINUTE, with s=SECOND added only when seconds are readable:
h=10 m=59
